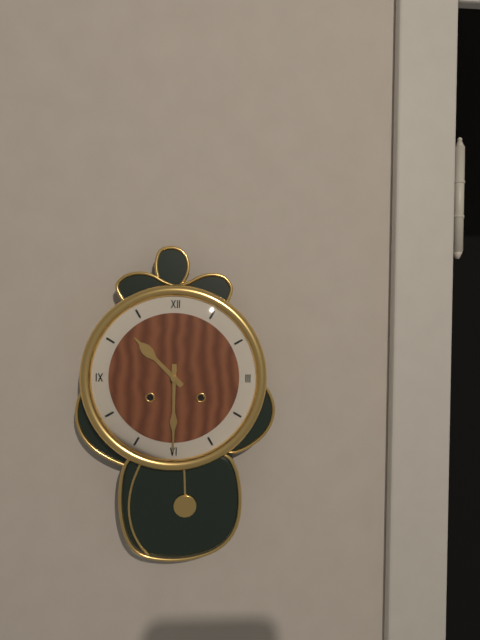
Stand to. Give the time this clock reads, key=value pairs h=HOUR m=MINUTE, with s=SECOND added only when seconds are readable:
h=10 m=30
